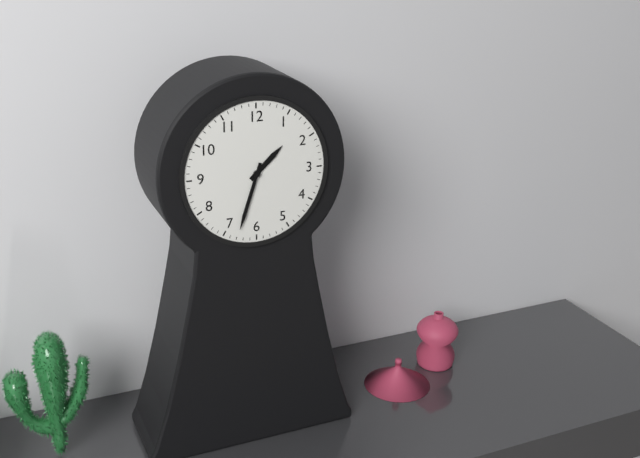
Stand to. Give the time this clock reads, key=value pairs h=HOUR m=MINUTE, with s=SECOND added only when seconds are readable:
h=1 m=33
